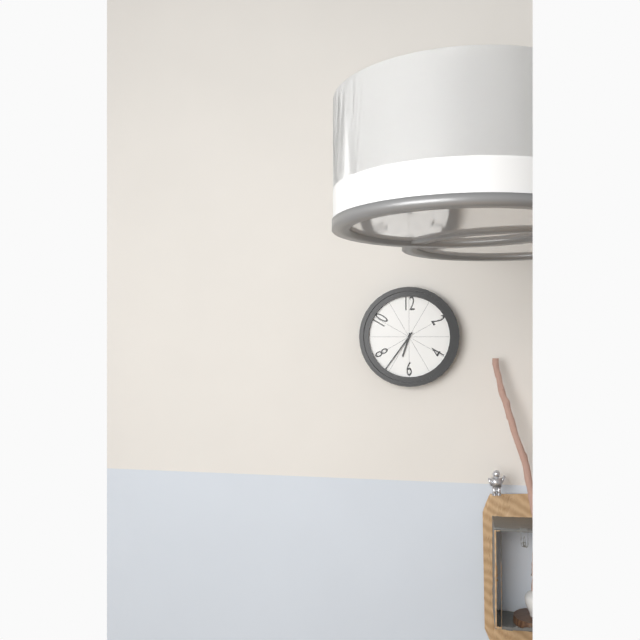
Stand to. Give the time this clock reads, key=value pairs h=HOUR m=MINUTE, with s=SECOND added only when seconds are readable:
h=6 m=36
